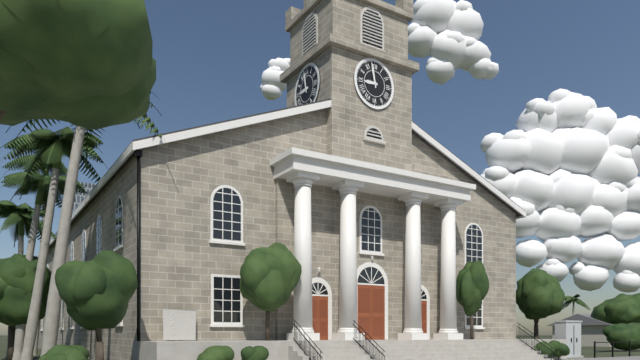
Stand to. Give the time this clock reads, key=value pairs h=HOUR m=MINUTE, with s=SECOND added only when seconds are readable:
h=8 m=58
